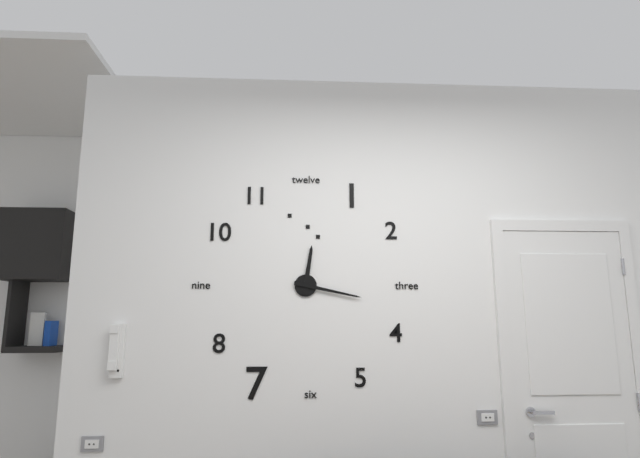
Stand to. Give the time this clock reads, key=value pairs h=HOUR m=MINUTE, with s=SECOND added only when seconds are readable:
h=12 m=17
